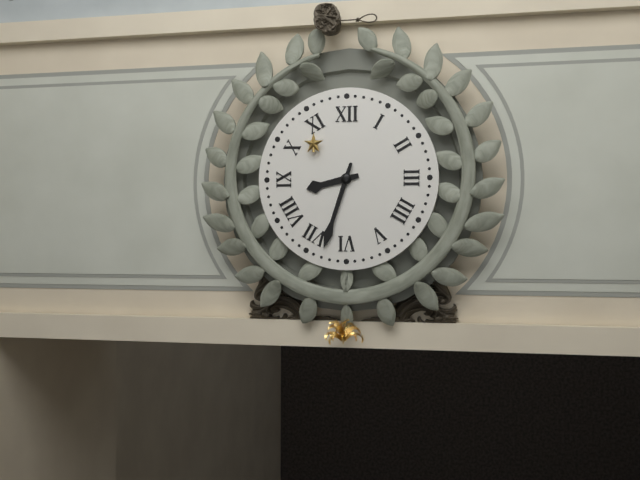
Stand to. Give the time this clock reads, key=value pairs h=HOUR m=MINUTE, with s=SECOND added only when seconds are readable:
h=8 m=33
